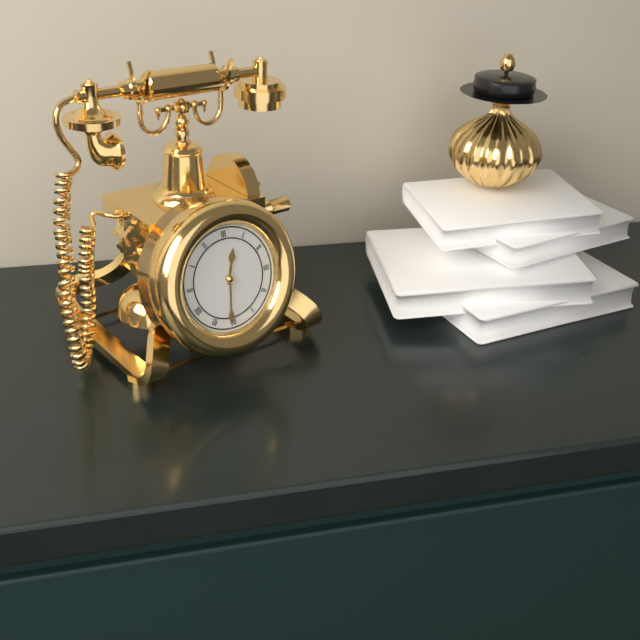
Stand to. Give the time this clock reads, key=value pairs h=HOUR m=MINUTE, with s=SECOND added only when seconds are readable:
h=12 m=31
